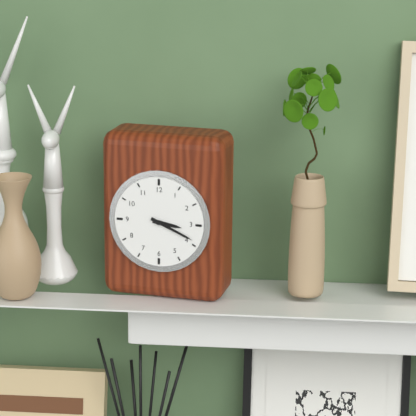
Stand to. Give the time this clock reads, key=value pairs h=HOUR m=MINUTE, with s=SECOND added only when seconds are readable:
h=3 m=19
